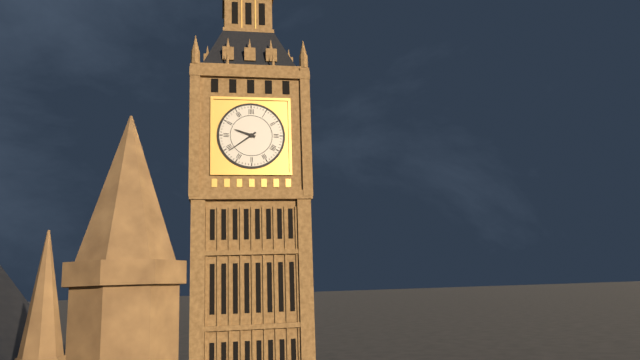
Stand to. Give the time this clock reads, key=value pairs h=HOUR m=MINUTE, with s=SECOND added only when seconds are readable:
h=9 m=39
